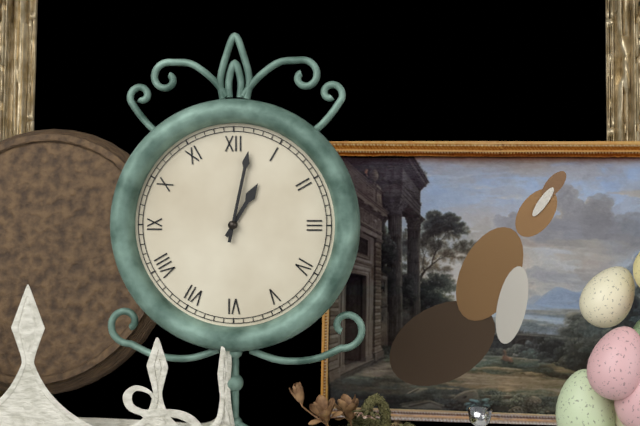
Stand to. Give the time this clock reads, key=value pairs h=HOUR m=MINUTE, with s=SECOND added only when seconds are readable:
h=1 m=2
